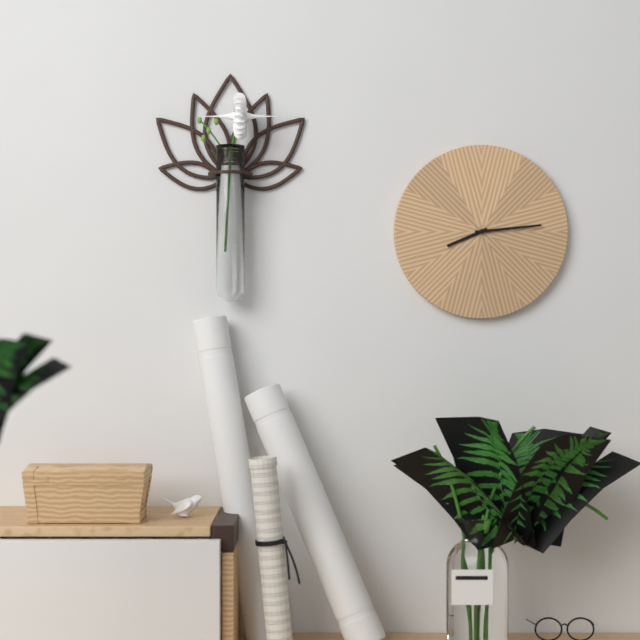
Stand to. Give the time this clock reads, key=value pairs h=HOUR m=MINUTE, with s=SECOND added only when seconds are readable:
h=8 m=14
